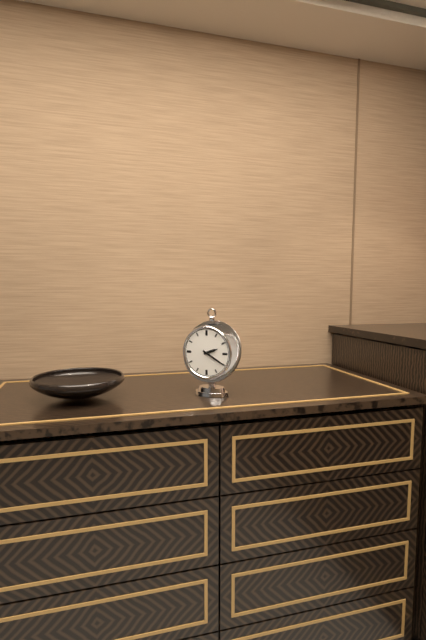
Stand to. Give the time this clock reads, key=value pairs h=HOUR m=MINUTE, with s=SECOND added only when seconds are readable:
h=2 m=20
